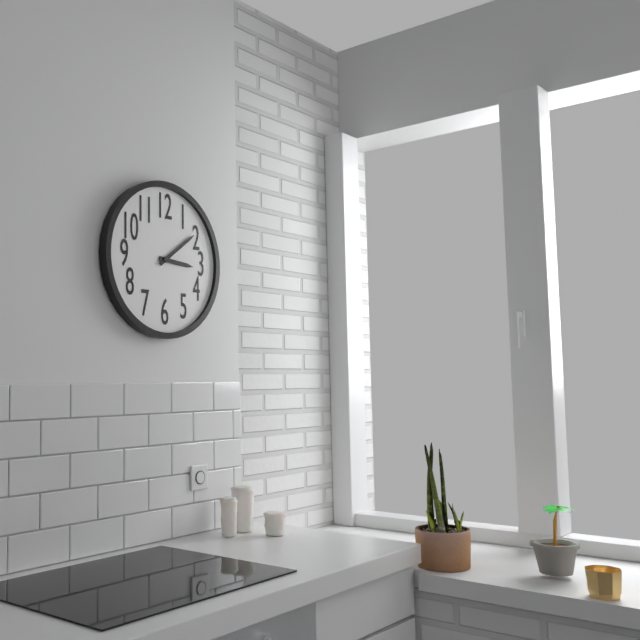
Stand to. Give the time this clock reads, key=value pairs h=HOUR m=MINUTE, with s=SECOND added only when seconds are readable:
h=3 m=9
